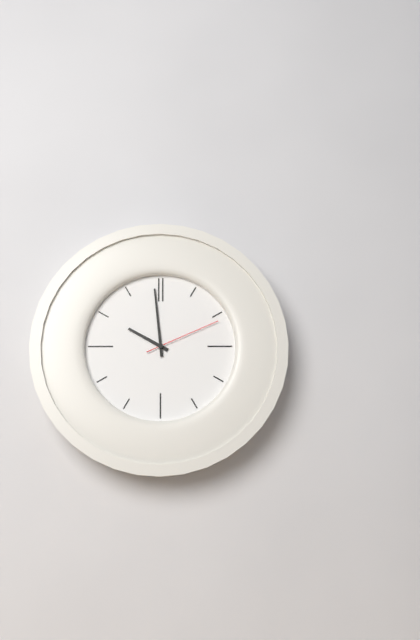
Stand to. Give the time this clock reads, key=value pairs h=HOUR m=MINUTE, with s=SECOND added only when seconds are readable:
h=9 m=59 s=11
